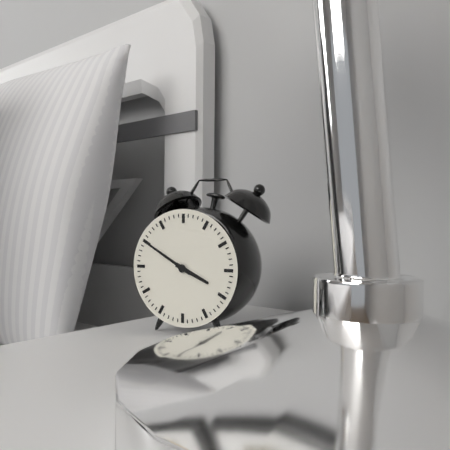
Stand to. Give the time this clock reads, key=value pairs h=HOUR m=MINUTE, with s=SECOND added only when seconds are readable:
h=3 m=50
